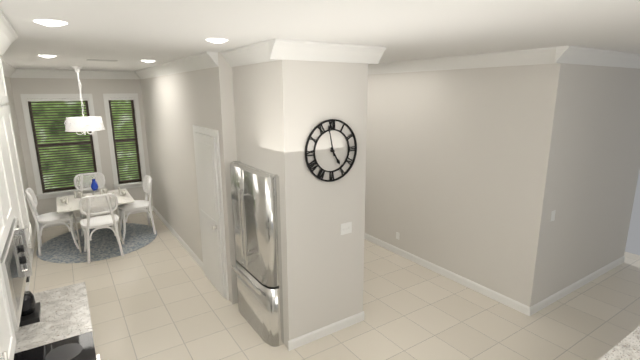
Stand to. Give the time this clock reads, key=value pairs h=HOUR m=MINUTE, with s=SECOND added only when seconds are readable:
h=4 m=58
